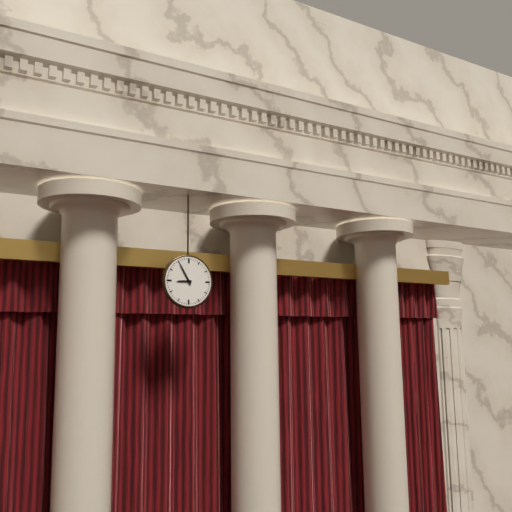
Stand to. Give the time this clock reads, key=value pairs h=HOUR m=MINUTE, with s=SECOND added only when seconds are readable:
h=8 m=55
